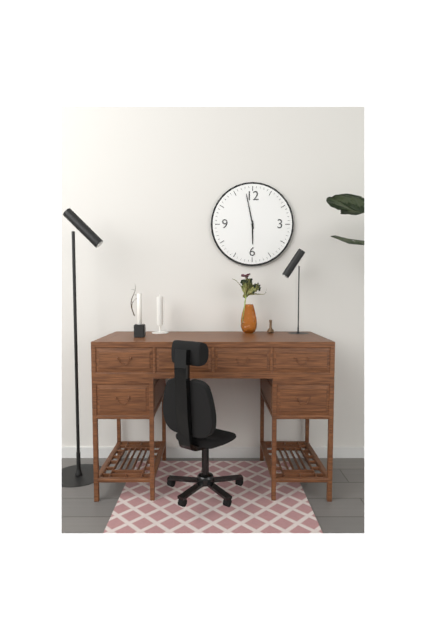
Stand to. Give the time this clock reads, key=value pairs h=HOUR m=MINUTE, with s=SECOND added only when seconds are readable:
h=5 m=58
